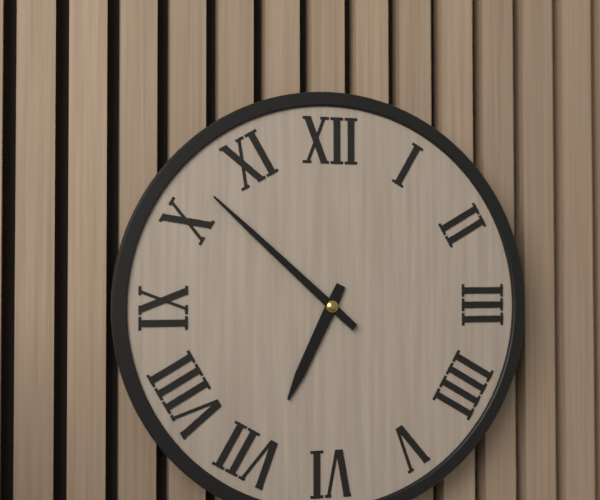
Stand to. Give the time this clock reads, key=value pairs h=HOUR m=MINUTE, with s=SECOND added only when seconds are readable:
h=6 m=52
